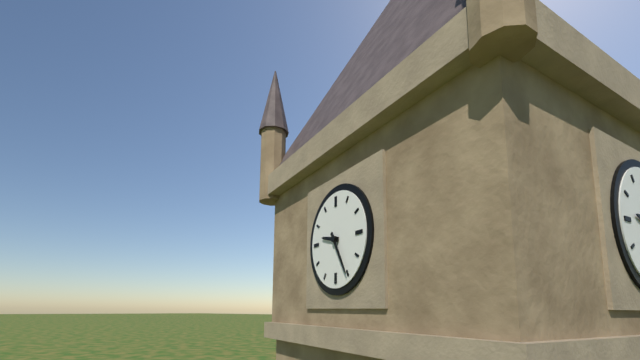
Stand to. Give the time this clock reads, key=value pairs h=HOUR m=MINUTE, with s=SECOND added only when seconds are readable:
h=9 m=25
